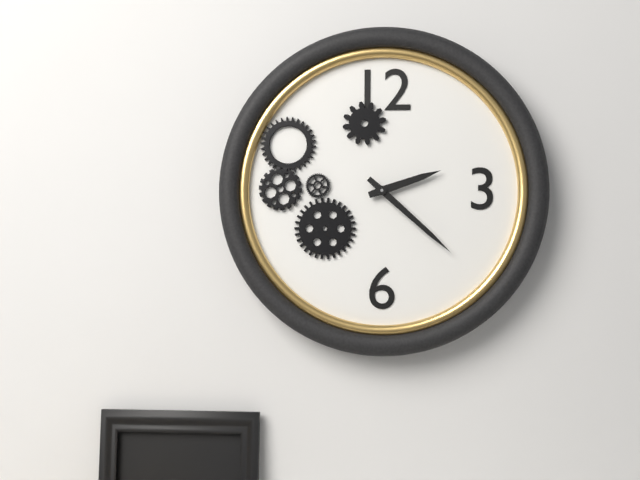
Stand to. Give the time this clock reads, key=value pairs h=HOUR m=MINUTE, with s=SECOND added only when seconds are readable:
h=2 m=22
